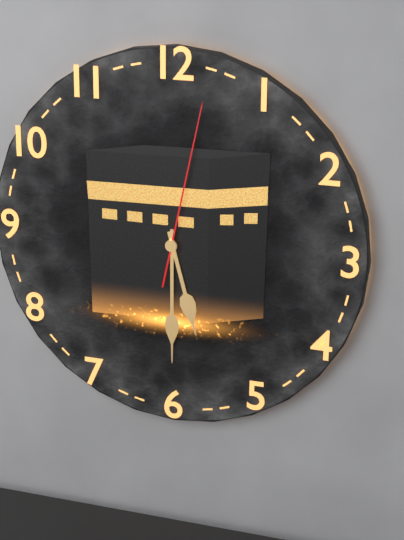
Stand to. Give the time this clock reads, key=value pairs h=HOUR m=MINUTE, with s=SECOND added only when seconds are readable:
h=5 m=30 s=2
